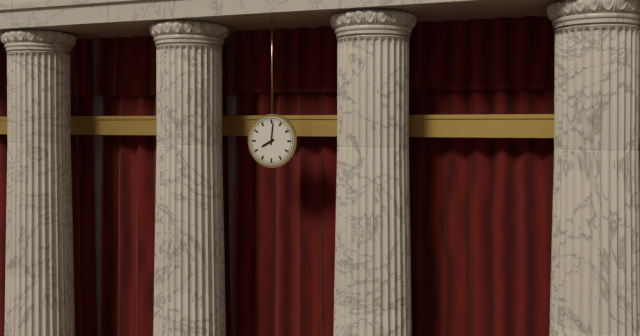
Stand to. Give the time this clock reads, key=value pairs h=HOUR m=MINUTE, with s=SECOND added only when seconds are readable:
h=8 m=1
